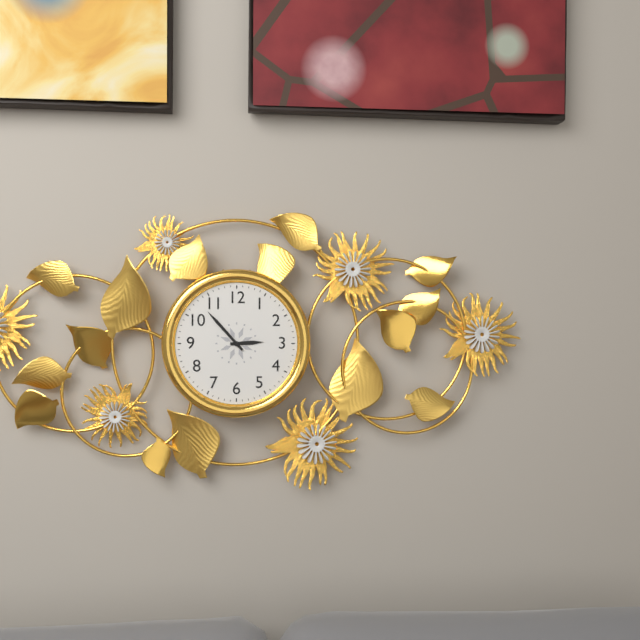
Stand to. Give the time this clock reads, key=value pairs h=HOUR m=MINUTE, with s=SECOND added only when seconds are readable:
h=2 m=53
